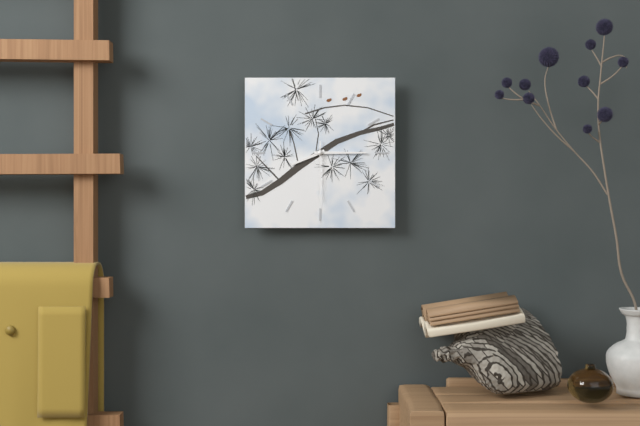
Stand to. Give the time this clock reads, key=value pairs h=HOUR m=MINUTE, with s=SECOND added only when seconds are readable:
h=8 m=15 s=30
